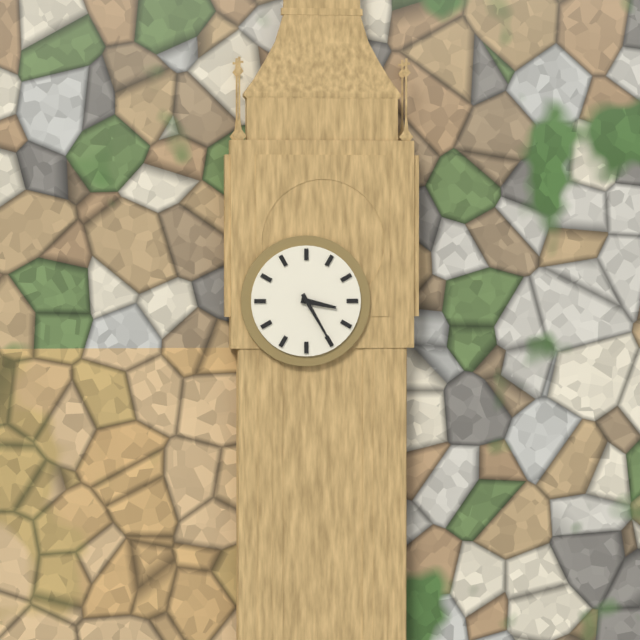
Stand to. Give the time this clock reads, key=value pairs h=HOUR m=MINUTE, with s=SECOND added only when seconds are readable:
h=3 m=25
